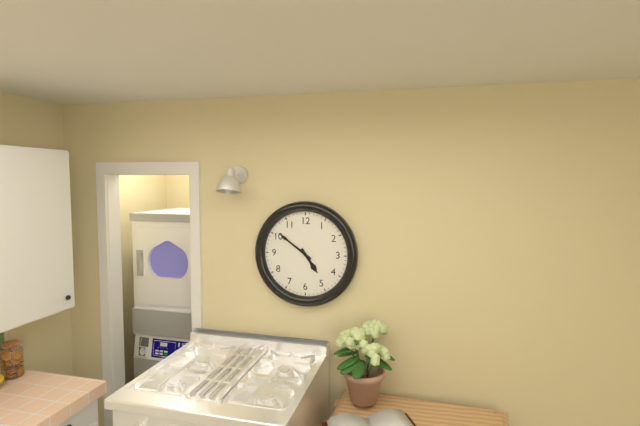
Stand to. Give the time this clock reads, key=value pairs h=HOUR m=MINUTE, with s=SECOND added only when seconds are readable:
h=4 m=51
